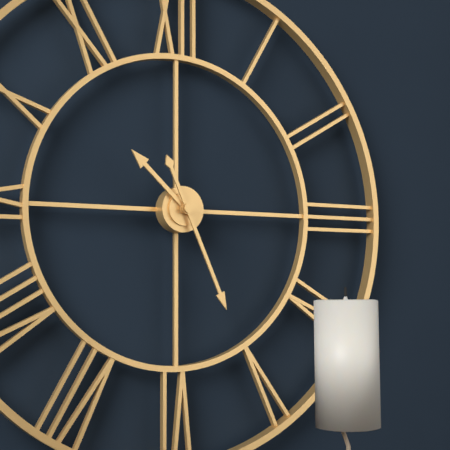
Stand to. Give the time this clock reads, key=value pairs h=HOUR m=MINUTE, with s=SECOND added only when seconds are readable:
h=10 m=26
